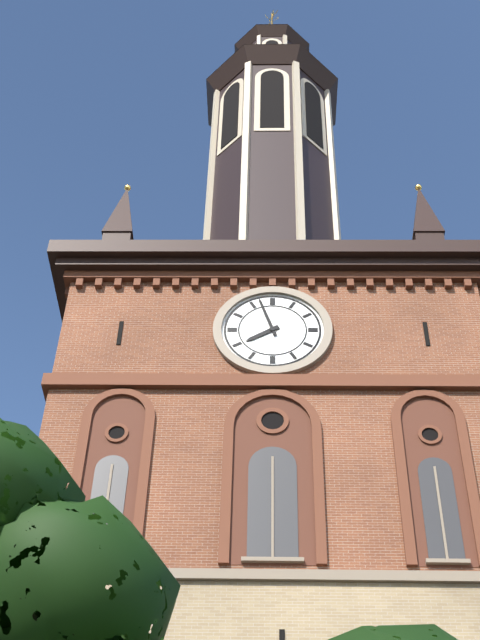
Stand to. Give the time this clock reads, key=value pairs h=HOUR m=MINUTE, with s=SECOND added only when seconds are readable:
h=7 m=57
